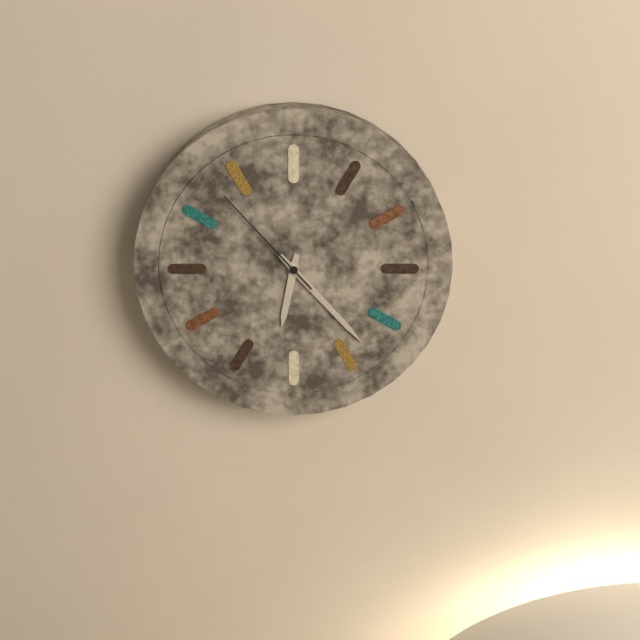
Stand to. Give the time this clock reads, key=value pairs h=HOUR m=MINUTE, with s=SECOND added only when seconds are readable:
h=6 m=23 s=53
